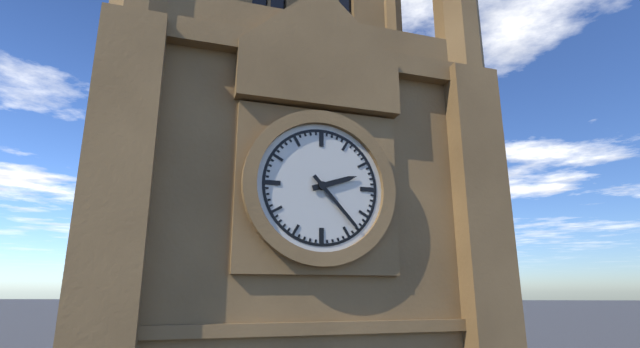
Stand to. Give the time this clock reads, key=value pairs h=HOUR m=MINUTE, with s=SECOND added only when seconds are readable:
h=2 m=23
